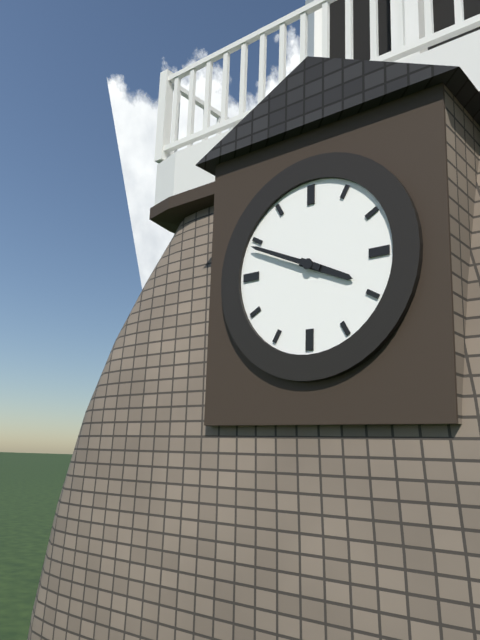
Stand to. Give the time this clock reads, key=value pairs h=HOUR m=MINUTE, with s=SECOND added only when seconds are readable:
h=3 m=49
